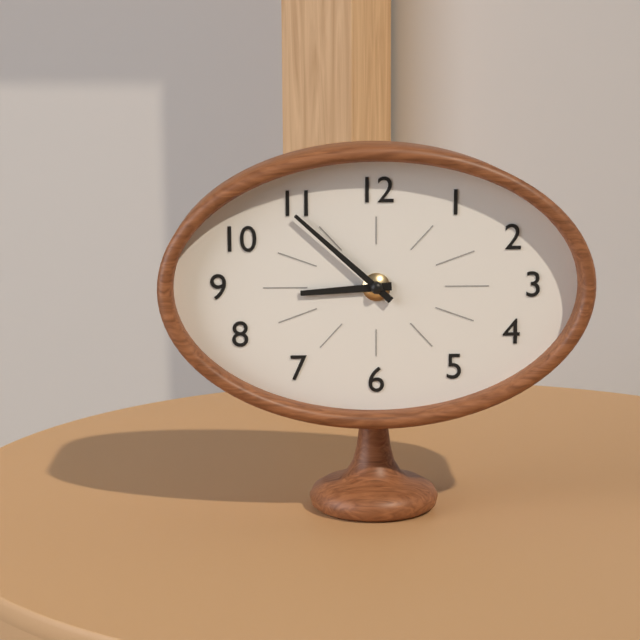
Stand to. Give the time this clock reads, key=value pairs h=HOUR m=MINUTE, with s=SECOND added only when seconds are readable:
h=8 m=52
